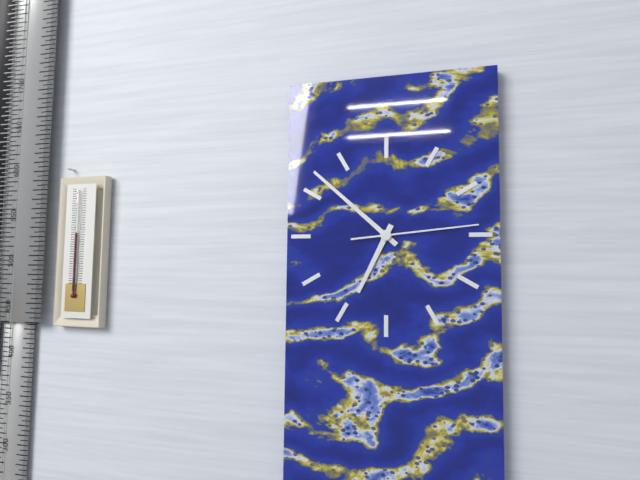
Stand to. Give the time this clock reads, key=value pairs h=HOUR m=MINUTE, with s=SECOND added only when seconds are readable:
h=6 m=52 s=14
